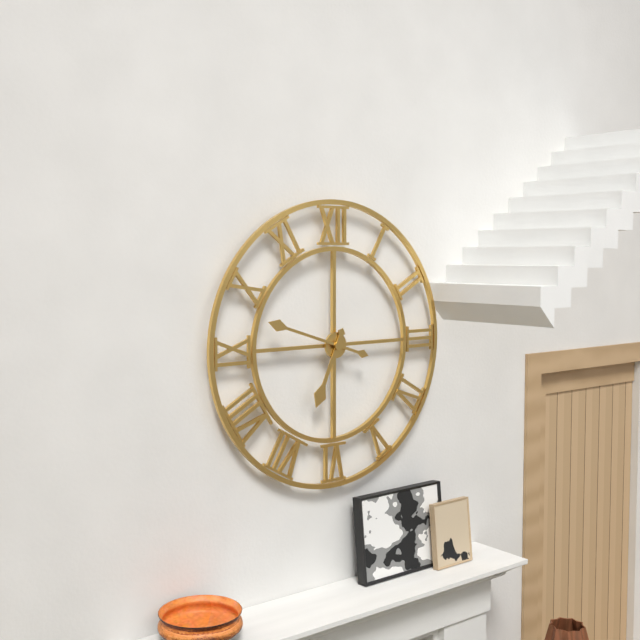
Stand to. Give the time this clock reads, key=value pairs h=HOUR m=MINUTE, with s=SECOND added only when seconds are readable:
h=6 m=48
